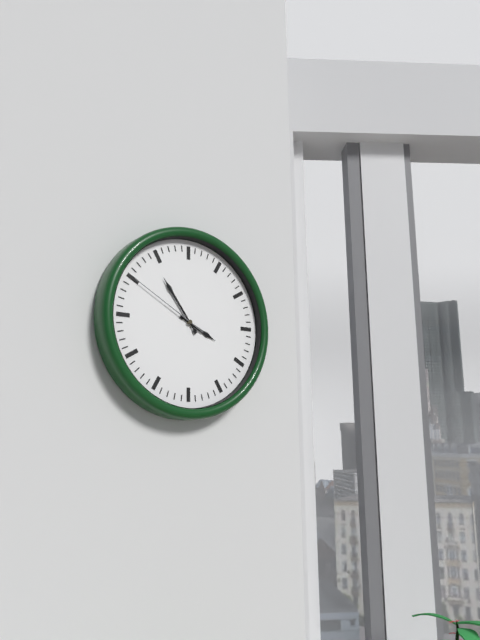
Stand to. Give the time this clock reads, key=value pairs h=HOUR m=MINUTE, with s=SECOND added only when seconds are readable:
h=3 m=54 s=50
